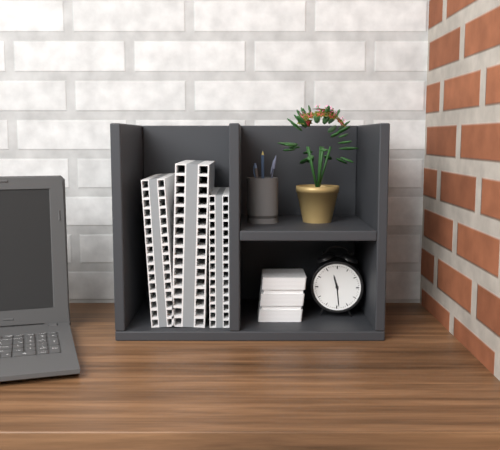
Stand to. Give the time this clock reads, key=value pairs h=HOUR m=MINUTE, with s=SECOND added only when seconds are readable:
h=11 m=29
